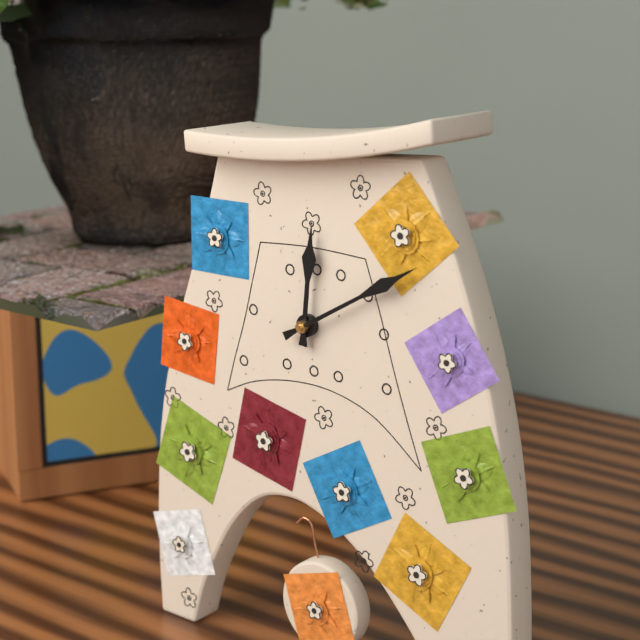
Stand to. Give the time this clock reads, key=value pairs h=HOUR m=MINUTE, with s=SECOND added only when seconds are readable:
h=12 m=10
